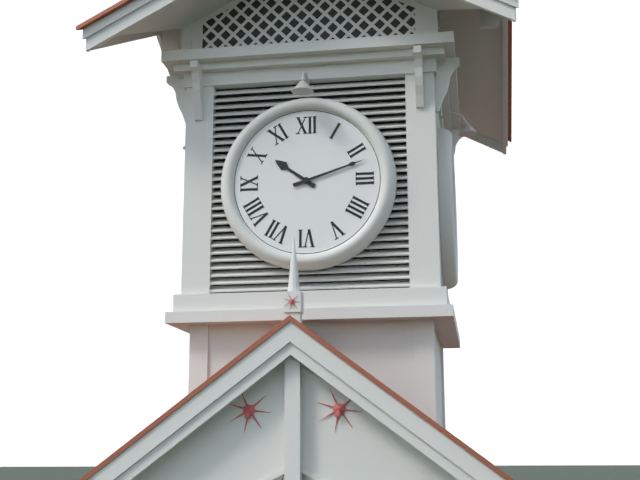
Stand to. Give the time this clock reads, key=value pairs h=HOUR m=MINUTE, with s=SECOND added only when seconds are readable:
h=10 m=12
